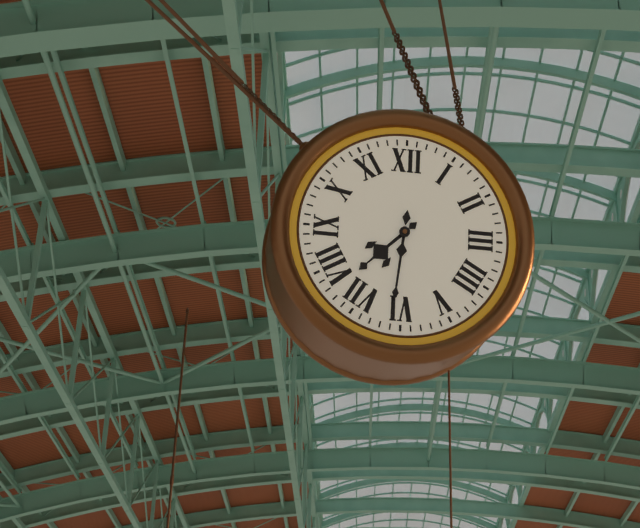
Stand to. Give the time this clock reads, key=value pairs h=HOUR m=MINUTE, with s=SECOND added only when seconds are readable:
h=7 m=31
